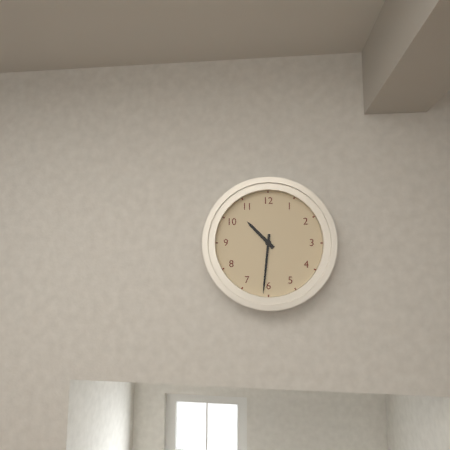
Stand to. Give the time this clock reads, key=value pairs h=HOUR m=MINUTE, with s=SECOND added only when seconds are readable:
h=10 m=31
